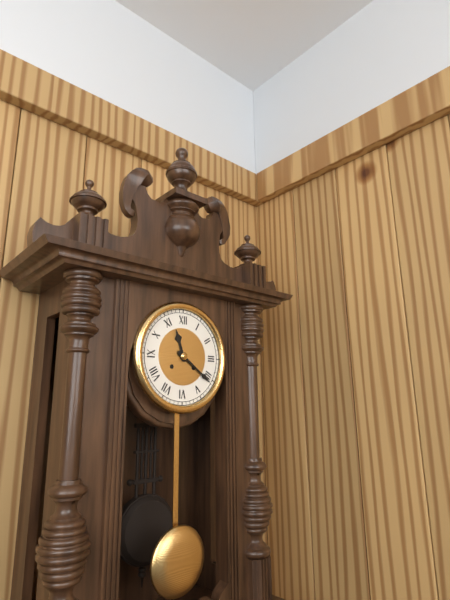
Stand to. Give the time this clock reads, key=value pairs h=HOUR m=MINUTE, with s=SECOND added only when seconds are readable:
h=11 m=21
